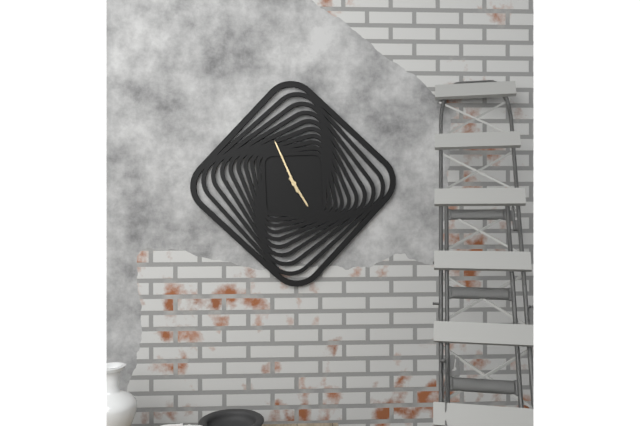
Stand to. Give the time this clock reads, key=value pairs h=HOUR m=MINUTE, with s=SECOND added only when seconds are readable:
h=4 m=56
